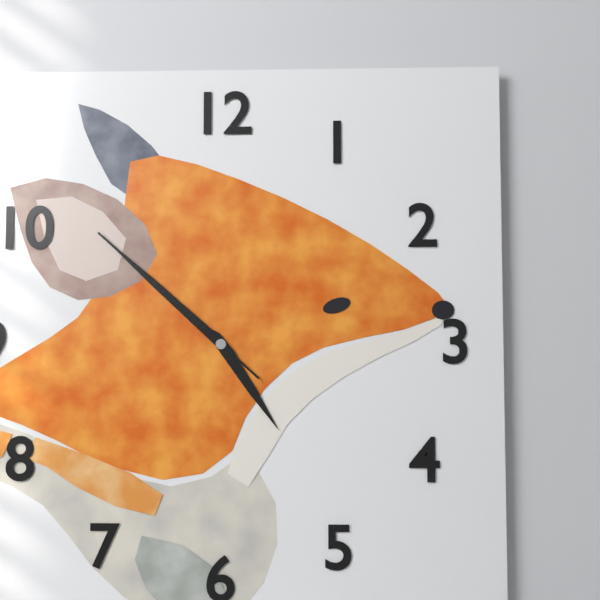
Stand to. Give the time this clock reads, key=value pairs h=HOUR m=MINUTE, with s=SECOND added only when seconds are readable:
h=4 m=52 s=52
